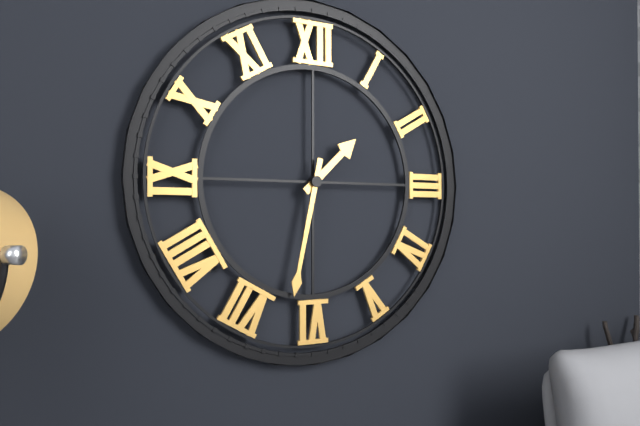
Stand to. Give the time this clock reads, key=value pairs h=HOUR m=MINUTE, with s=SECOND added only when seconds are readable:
h=1 m=32
